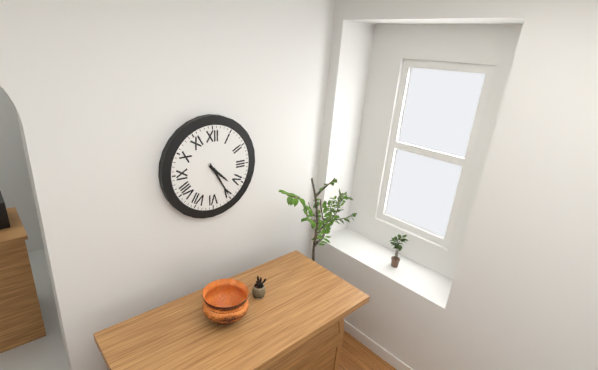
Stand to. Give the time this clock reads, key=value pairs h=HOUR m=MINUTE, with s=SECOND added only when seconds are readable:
h=4 m=25
